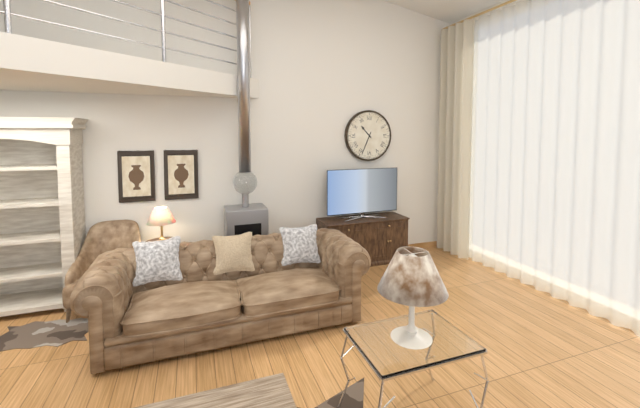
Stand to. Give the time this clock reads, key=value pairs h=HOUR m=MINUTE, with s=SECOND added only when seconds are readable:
h=10 m=34
